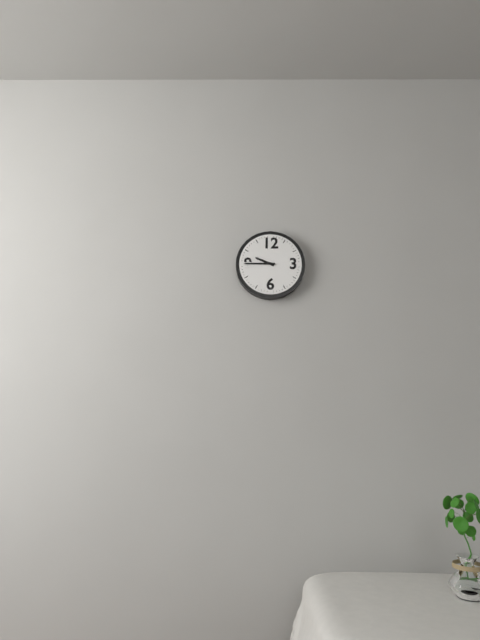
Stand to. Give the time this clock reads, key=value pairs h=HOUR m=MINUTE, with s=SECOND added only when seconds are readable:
h=9 m=45
